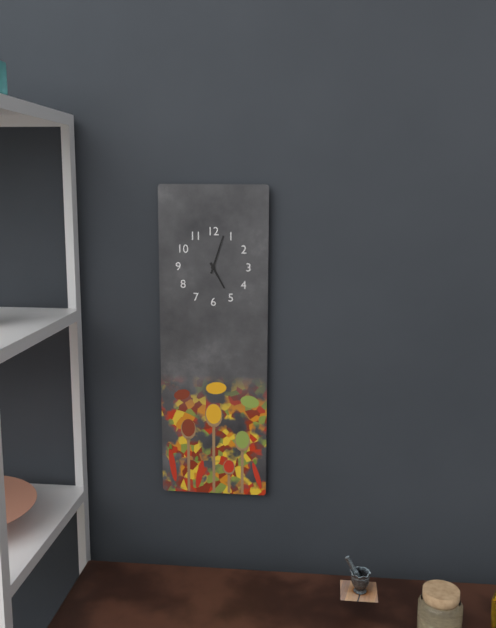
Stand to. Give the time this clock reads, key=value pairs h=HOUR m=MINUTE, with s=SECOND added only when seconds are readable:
h=5 m=3
